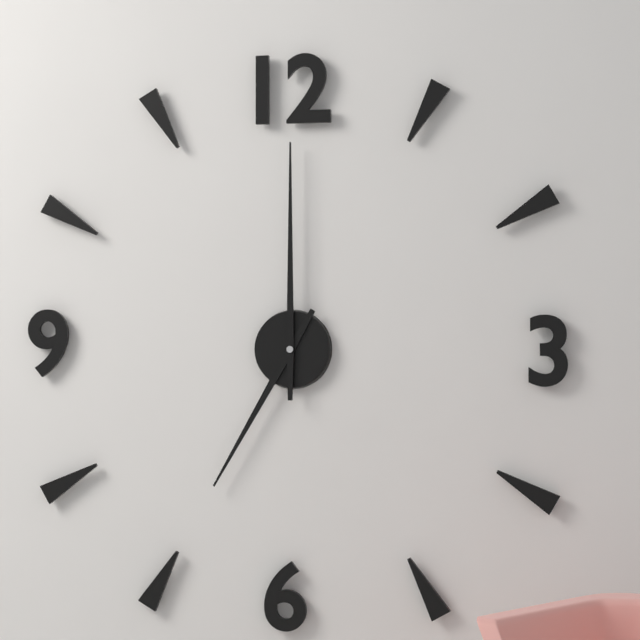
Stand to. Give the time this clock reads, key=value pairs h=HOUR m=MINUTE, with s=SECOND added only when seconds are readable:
h=7 m=0
